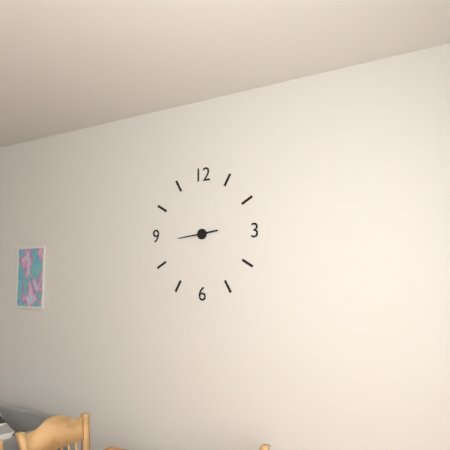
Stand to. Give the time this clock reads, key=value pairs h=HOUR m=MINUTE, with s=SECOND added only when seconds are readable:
h=2 m=44
